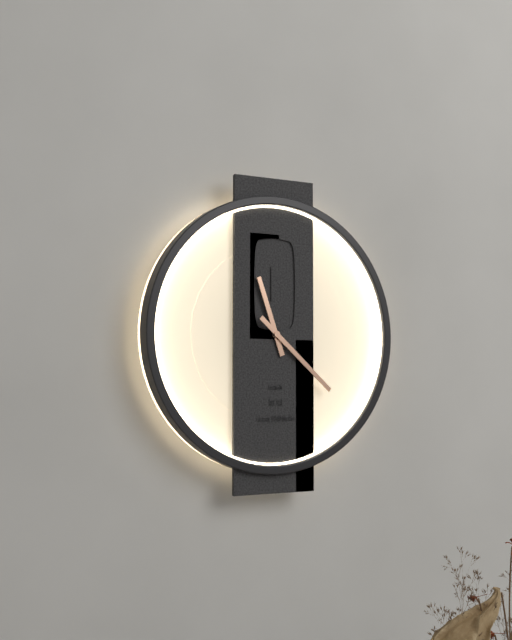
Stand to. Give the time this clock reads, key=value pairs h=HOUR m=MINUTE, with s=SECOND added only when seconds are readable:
h=11 m=22
